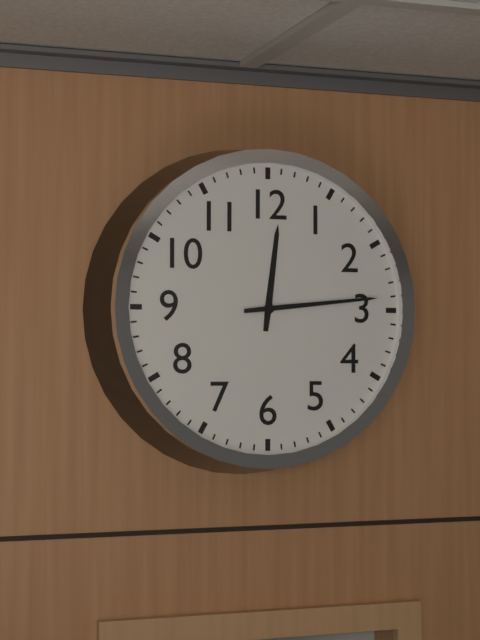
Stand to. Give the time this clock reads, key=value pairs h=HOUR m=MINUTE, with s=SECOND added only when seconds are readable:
h=12 m=14
